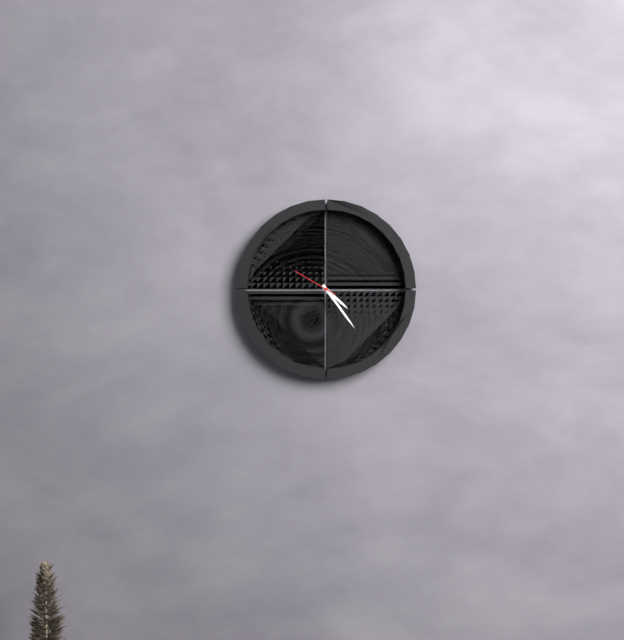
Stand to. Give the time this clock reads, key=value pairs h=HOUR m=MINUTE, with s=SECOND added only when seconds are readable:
h=4 m=24
